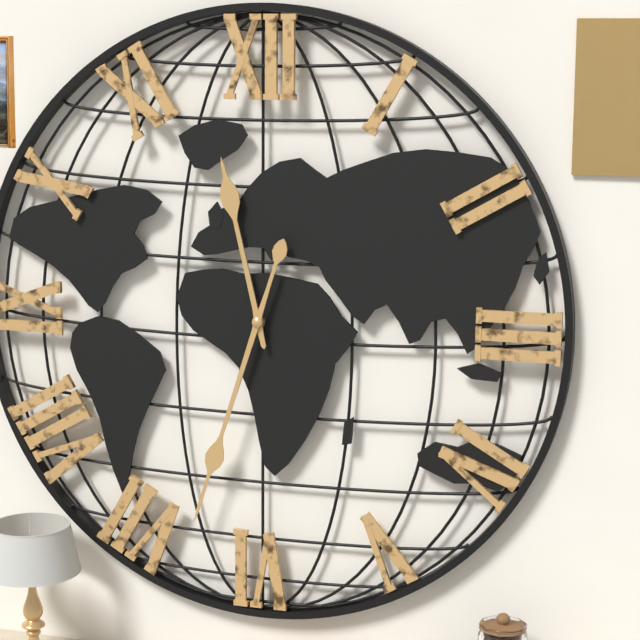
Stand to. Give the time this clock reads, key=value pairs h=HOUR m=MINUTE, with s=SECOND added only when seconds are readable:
h=11 m=33
